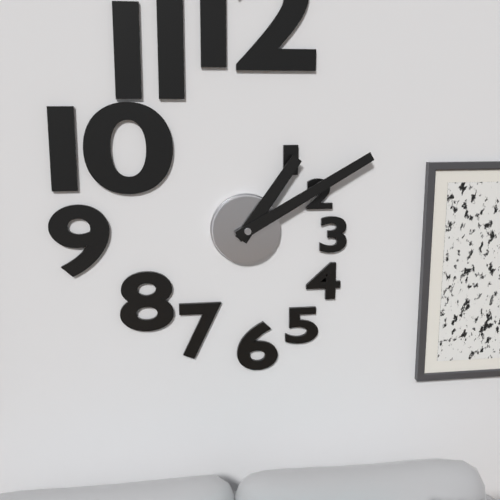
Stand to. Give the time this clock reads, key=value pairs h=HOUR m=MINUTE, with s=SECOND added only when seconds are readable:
h=1 m=10
